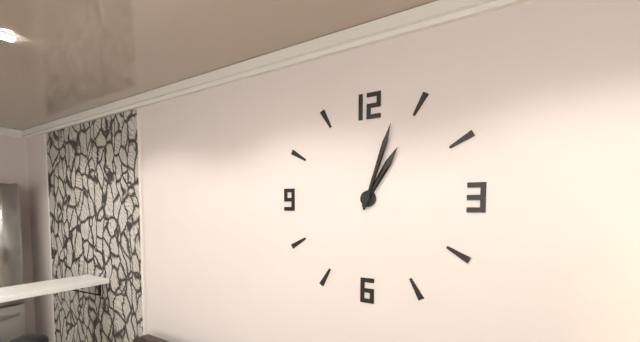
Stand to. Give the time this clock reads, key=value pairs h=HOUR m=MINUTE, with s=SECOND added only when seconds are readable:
h=1 m=3
